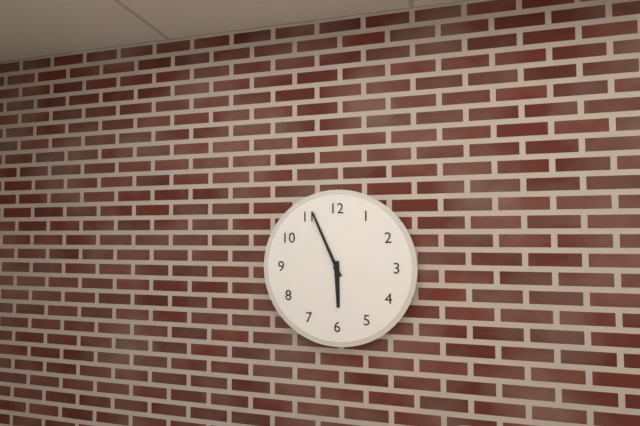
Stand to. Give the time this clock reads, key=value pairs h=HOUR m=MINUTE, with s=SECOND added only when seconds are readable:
h=5 m=56
